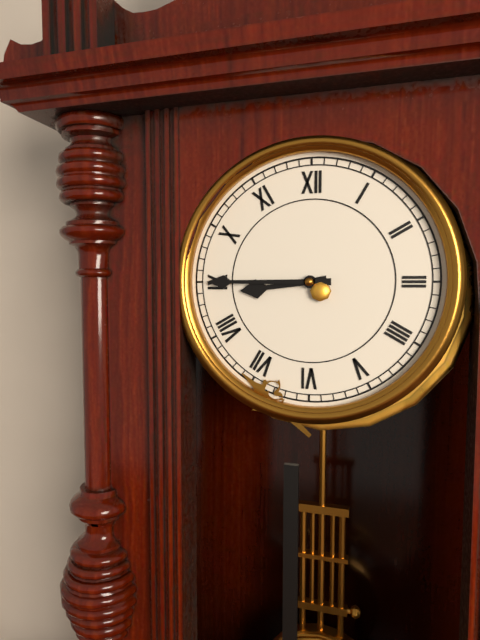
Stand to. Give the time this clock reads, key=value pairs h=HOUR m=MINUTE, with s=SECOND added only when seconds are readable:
h=8 m=45
